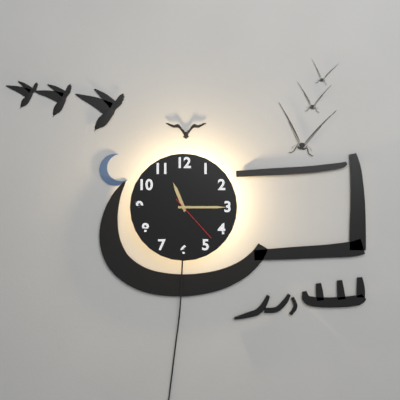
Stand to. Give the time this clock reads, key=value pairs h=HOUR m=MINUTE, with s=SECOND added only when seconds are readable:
h=11 m=15 s=23
